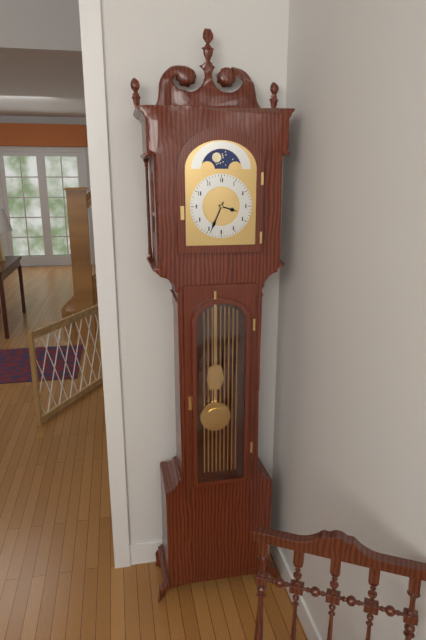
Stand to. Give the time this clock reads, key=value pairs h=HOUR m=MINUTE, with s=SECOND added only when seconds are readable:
h=3 m=34
